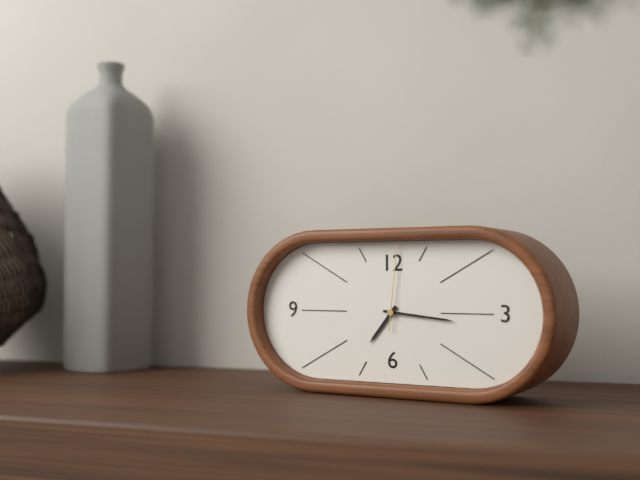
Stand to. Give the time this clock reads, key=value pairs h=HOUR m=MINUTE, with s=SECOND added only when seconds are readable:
h=7 m=16 s=1
